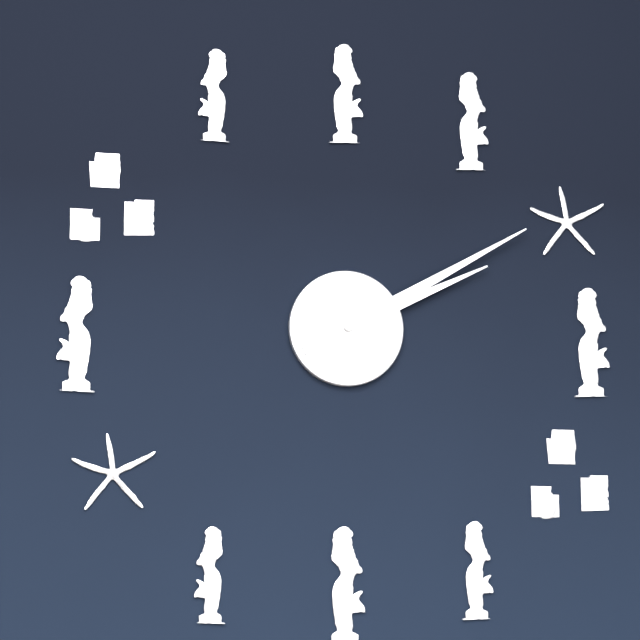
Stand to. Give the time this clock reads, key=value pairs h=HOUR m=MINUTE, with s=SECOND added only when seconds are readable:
h=2 m=10
